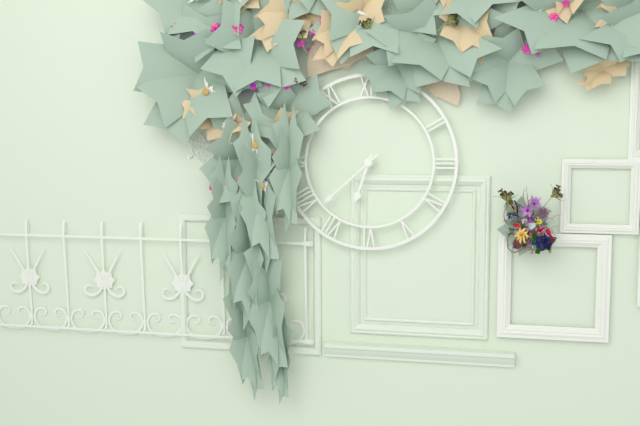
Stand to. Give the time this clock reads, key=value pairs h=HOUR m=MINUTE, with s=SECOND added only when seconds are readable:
h=6 m=38
